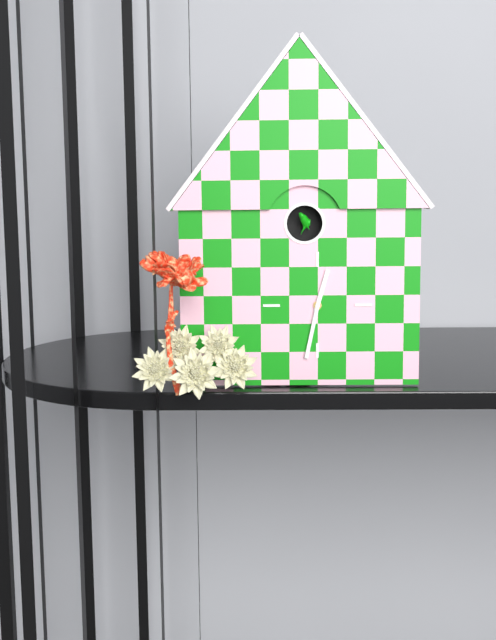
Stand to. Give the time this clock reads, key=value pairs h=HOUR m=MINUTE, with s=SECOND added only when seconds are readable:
h=12 m=32
